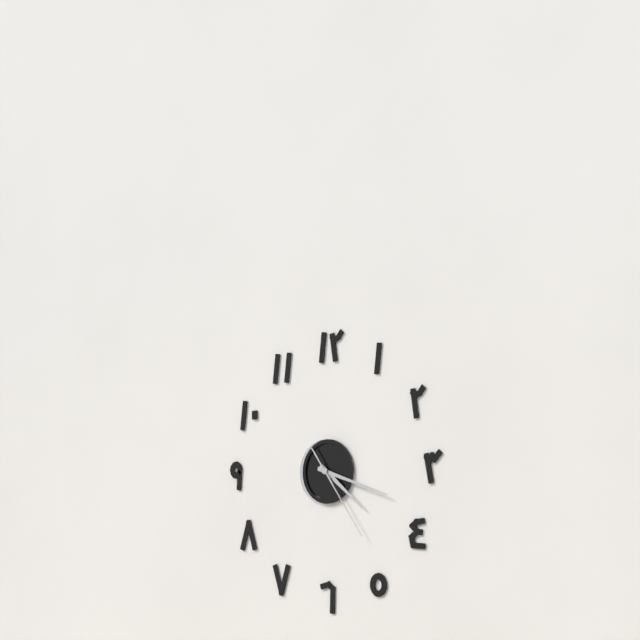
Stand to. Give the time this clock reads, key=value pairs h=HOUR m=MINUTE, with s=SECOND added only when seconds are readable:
h=4 m=18 s=24
